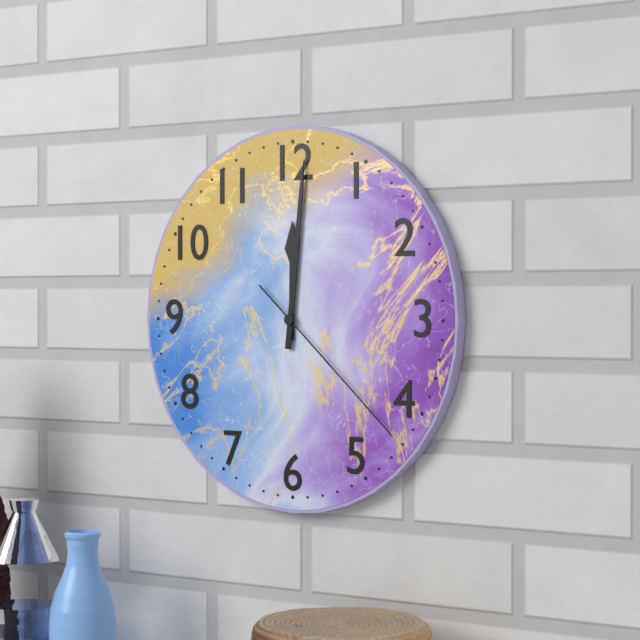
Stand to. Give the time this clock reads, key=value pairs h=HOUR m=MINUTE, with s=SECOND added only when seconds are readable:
h=12 m=1 s=22
